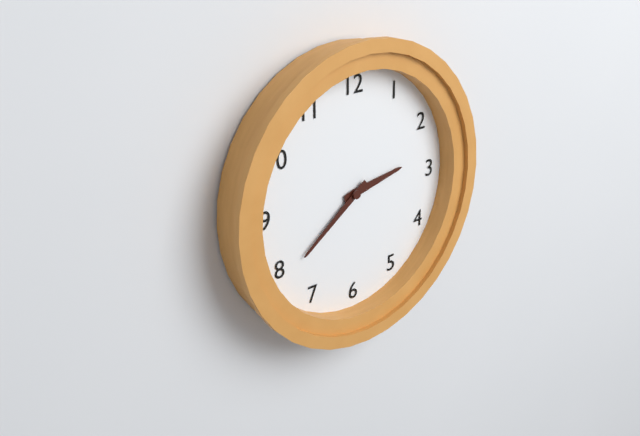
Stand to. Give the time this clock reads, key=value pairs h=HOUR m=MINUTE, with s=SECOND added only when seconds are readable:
h=2 m=39
